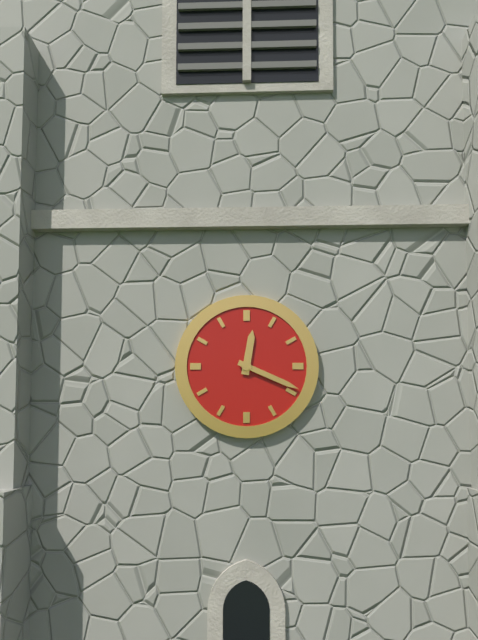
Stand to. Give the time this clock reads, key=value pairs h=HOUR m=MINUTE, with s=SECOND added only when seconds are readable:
h=12 m=19
